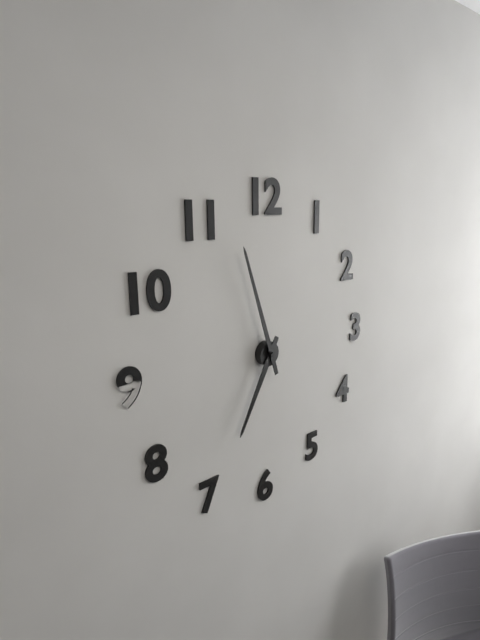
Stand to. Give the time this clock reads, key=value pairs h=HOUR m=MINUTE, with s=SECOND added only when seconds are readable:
h=6 m=57
